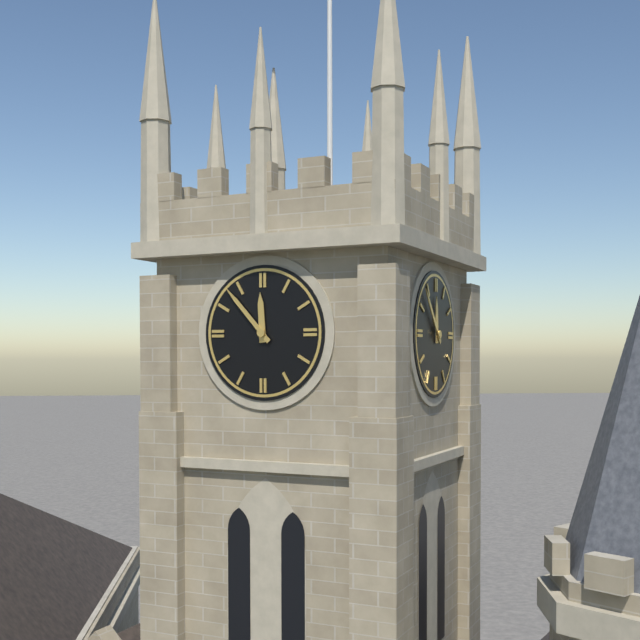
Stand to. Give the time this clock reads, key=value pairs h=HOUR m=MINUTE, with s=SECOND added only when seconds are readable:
h=11 m=53
